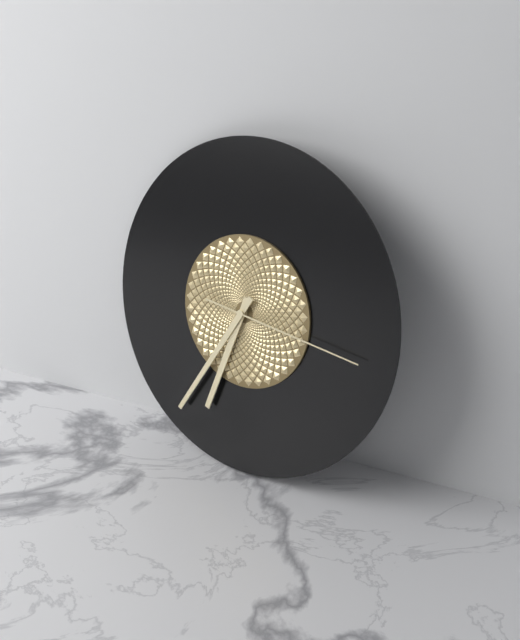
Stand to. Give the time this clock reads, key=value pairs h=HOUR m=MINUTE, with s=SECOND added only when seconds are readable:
h=6 m=35 s=16
